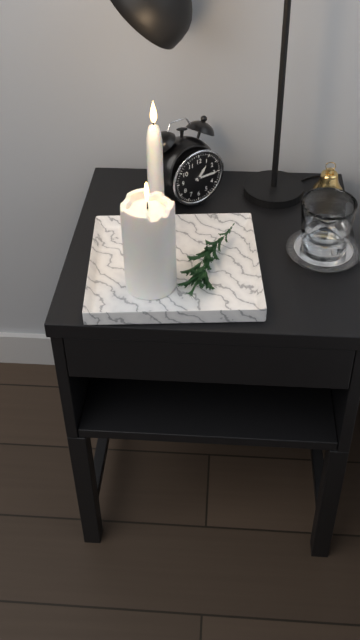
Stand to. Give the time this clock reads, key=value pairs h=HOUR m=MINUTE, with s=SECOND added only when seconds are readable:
h=1 m=15
